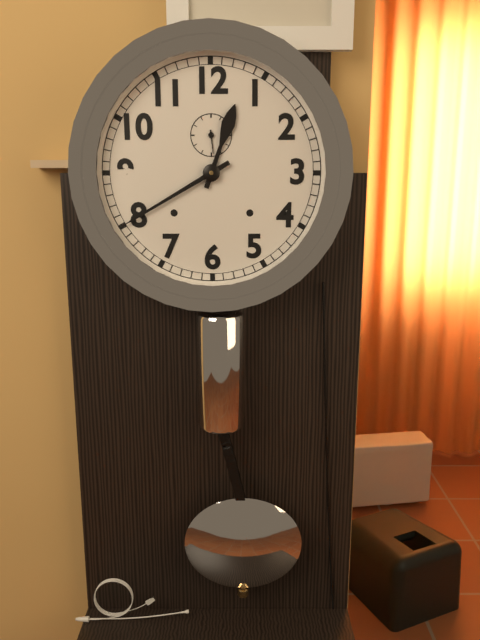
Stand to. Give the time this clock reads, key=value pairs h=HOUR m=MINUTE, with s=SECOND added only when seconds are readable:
h=12 m=40
